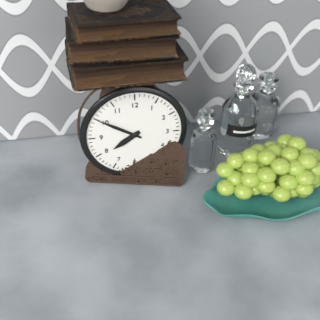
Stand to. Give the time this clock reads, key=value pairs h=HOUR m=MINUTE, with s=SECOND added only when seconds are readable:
h=7 m=50
